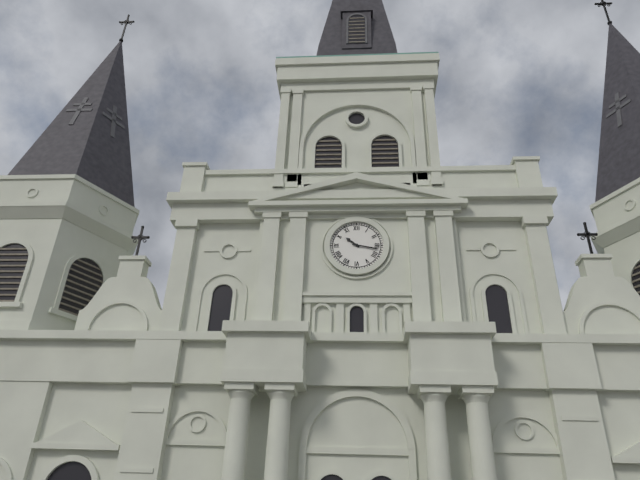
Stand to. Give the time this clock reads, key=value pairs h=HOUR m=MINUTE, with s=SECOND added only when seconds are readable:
h=10 m=17
